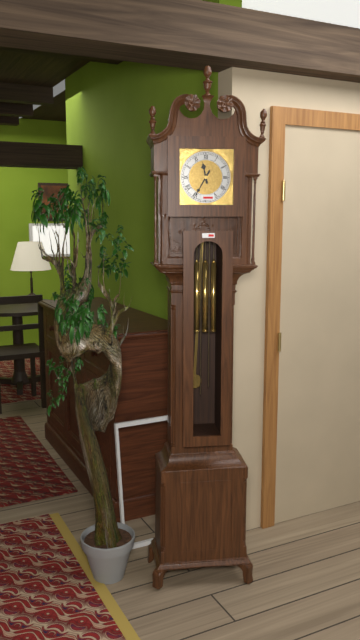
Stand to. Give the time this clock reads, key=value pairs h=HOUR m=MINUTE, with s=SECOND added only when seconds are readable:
h=11 m=35
